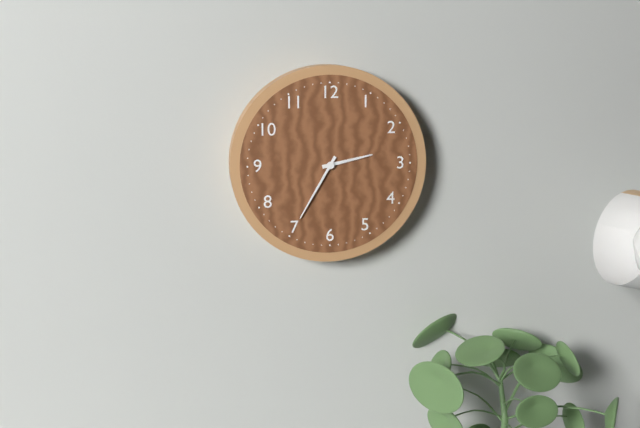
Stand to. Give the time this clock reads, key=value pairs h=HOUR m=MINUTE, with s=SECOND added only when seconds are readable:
h=2 m=35
